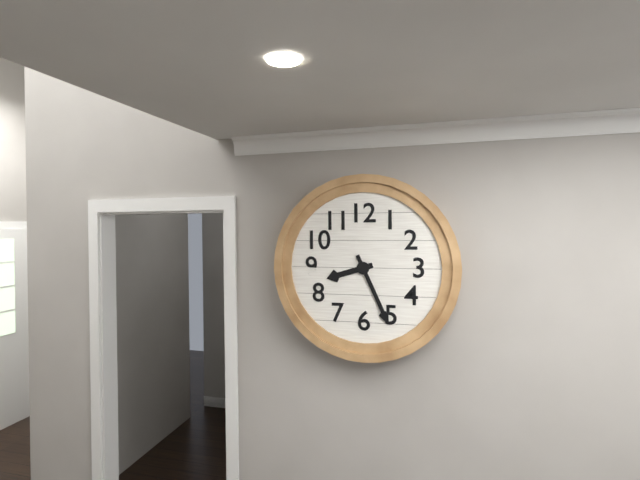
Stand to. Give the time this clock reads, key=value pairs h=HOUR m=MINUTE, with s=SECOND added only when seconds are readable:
h=8 m=26
